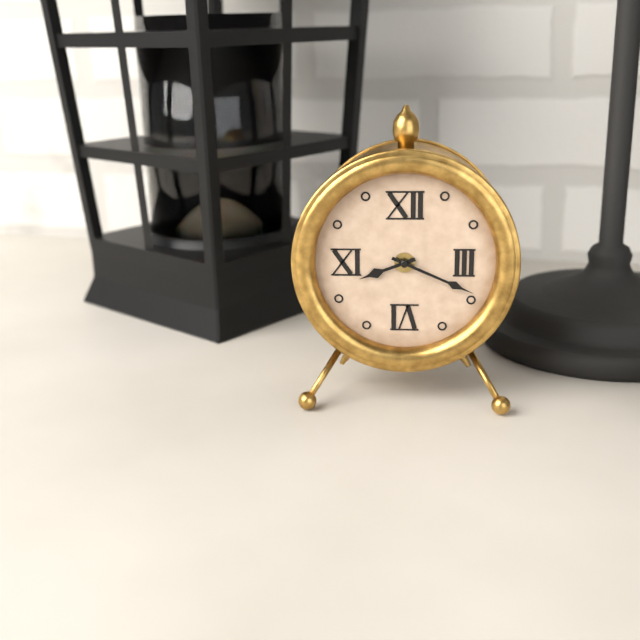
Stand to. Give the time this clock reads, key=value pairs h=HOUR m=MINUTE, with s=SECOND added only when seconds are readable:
h=8 m=19
